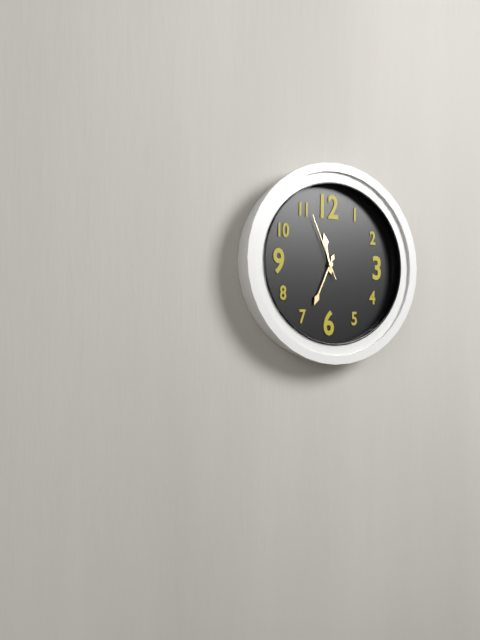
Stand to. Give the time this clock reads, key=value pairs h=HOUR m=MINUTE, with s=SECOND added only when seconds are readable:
h=11 m=34 s=56
